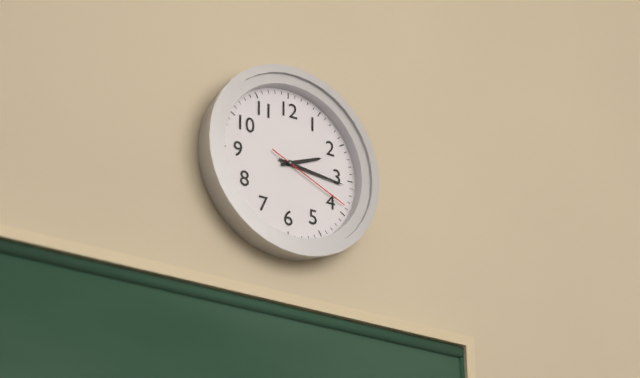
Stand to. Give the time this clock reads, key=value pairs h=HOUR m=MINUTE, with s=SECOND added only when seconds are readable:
h=2 m=16 s=19
